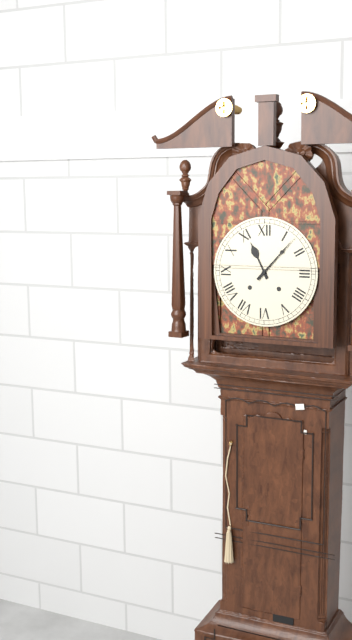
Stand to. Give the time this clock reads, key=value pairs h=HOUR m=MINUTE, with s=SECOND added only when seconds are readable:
h=11 m=7
